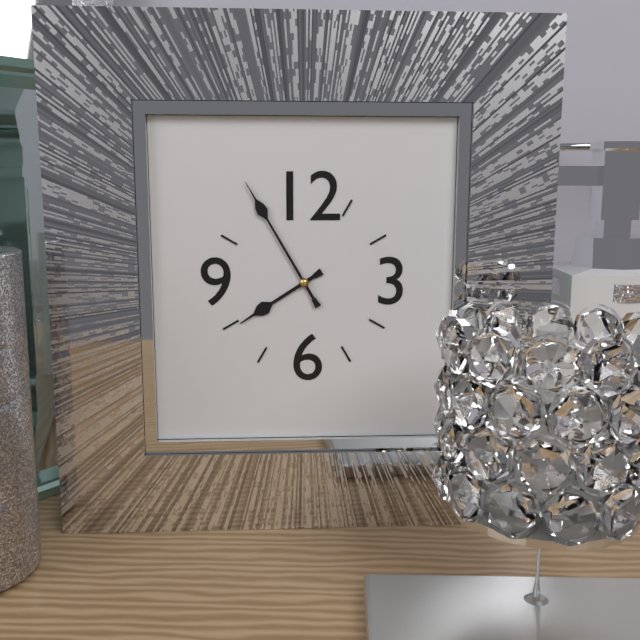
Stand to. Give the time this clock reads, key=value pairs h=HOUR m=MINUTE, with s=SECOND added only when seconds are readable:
h=7 m=55
